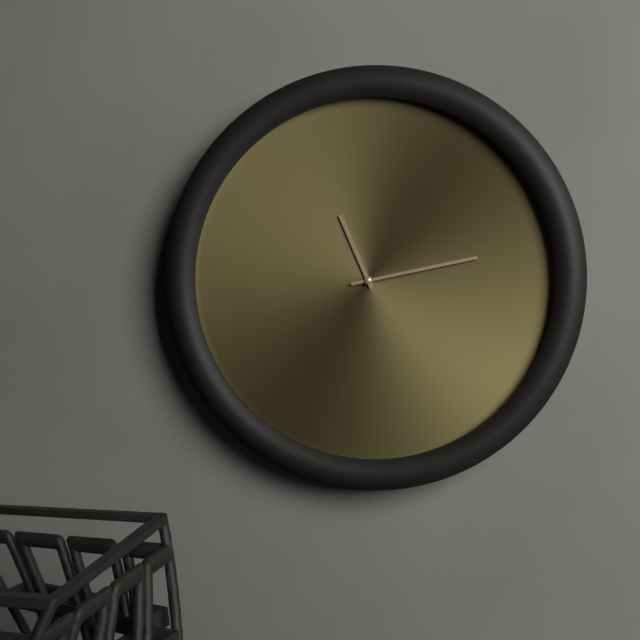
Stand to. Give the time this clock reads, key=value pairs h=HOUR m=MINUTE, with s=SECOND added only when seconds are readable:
h=11 m=13
